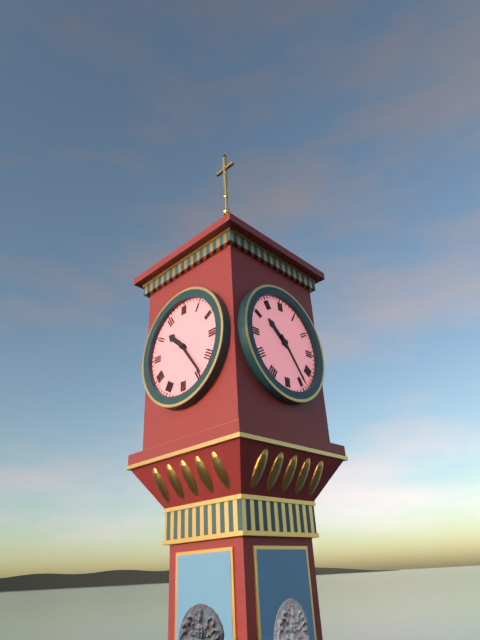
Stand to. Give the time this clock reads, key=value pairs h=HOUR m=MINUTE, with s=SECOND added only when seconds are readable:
h=10 m=24
